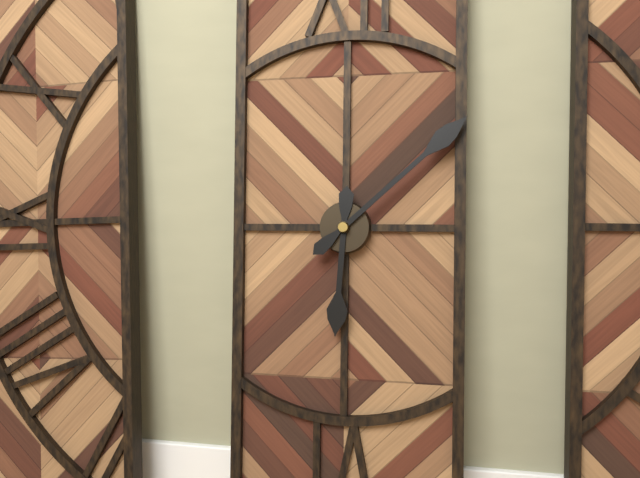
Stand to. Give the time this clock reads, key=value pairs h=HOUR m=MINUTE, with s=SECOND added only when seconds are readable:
h=6 m=8
